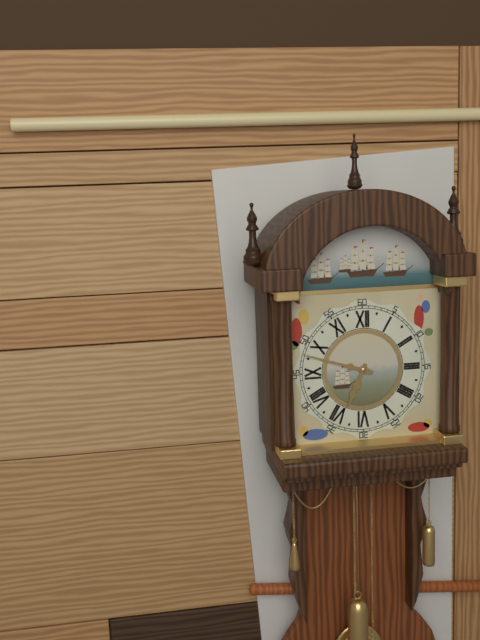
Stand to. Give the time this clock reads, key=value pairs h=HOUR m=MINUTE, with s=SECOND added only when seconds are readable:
h=6 m=48
